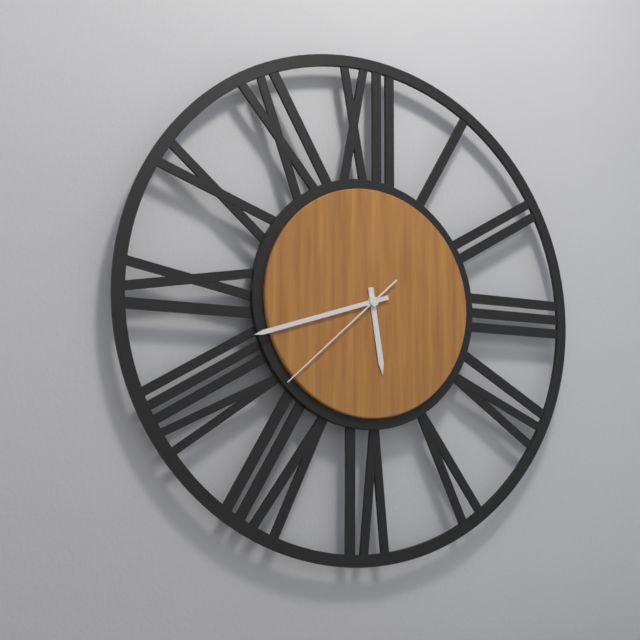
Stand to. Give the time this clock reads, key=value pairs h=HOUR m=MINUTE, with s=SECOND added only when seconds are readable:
h=5 m=42 s=38
